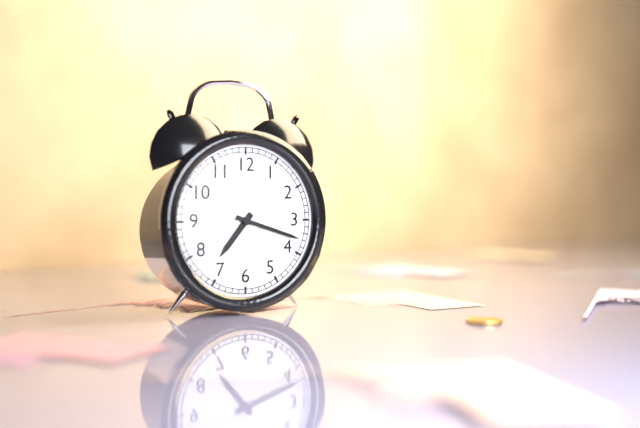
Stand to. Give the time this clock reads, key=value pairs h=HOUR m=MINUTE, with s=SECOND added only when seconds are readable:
h=7 m=18
